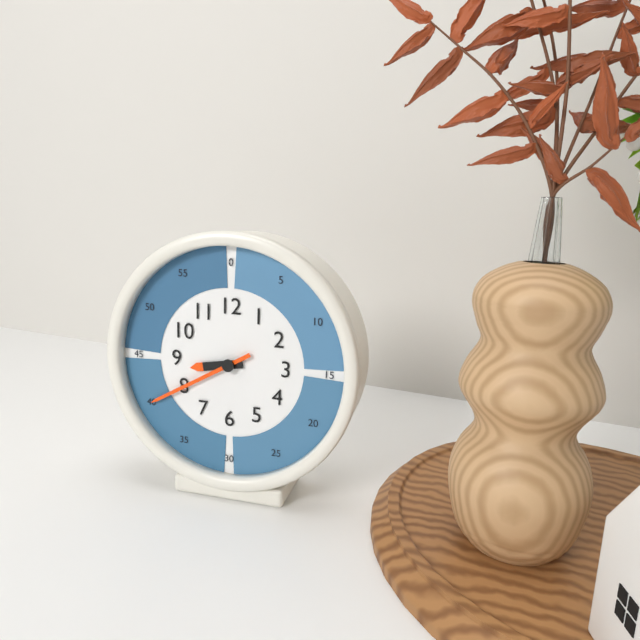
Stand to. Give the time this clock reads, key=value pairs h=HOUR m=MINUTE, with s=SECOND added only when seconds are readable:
h=8 m=40
